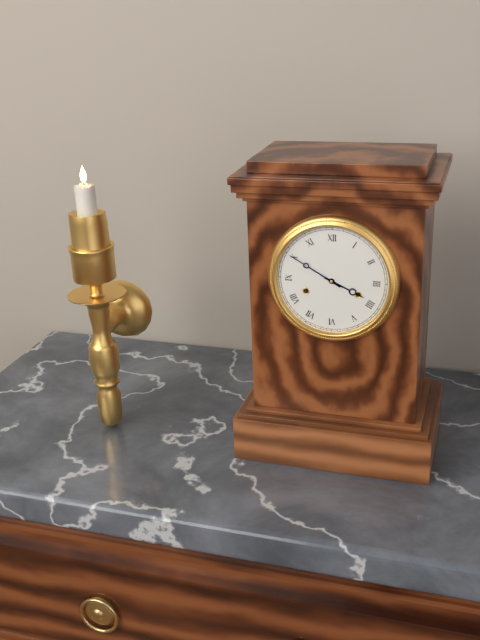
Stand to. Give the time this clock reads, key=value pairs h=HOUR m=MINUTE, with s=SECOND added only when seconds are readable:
h=3 m=50
